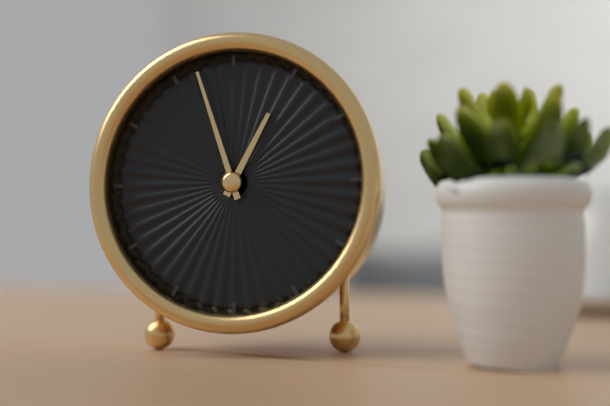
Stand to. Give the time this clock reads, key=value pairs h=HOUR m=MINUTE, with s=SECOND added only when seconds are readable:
h=12 m=57
